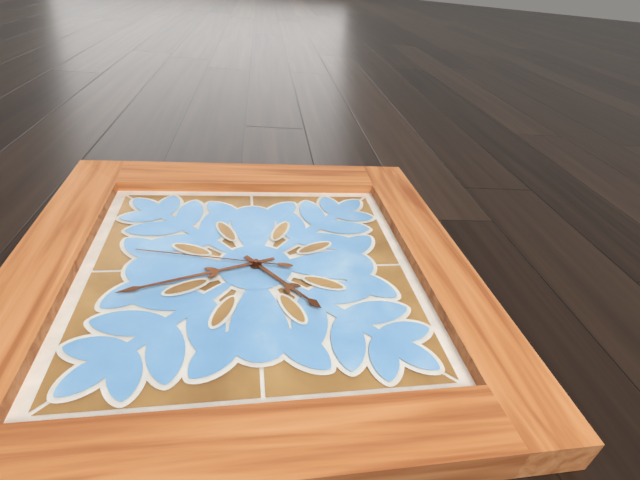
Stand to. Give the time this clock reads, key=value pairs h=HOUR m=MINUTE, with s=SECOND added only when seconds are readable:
h=4 m=42 s=47
